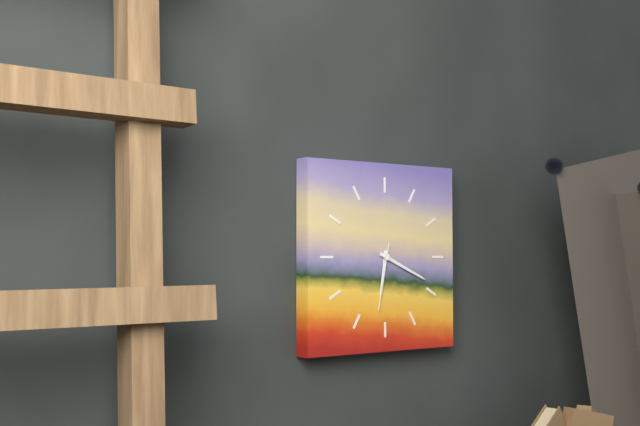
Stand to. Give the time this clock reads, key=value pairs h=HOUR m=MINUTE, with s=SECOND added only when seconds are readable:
h=6 m=19 s=32
